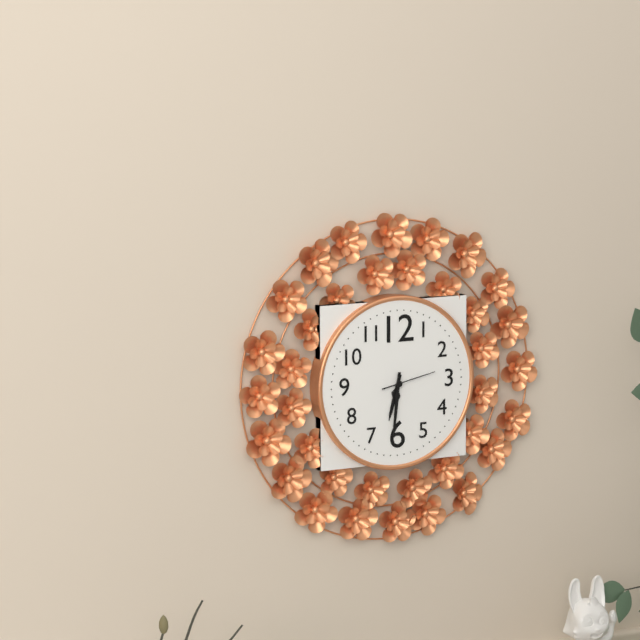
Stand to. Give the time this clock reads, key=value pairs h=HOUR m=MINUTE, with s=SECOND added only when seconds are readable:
h=6 m=31
